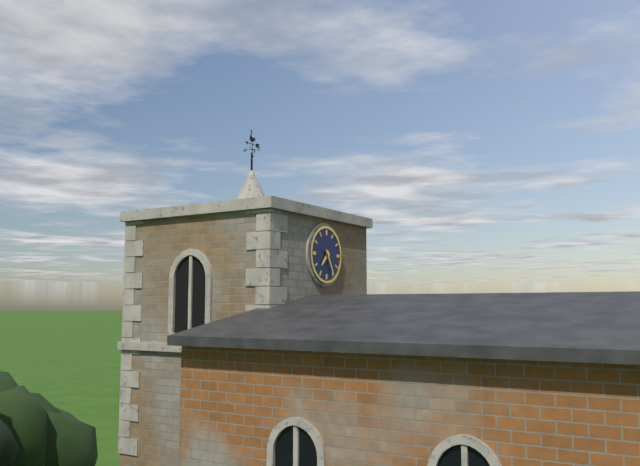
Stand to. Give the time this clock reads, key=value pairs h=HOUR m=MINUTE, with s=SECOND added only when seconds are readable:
h=7 m=25
